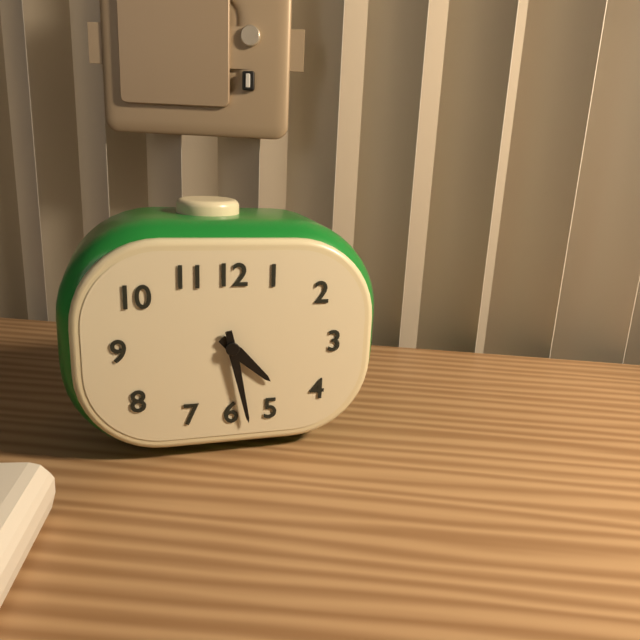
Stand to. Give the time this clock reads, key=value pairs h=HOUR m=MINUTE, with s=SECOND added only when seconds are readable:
h=4 m=28
